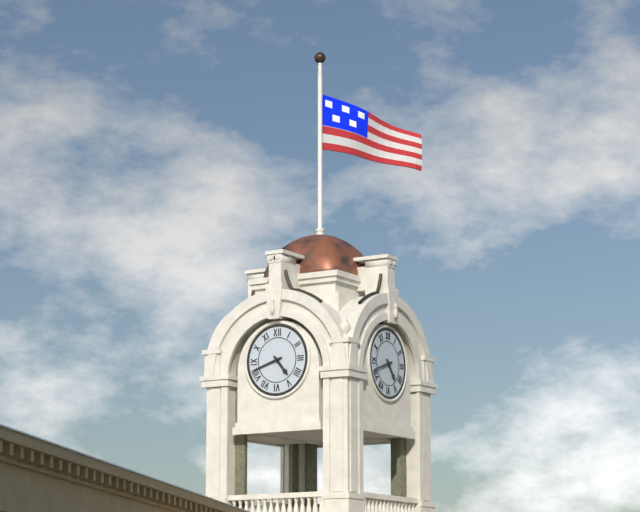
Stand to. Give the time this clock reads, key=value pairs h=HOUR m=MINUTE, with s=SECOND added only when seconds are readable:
h=4 m=42
